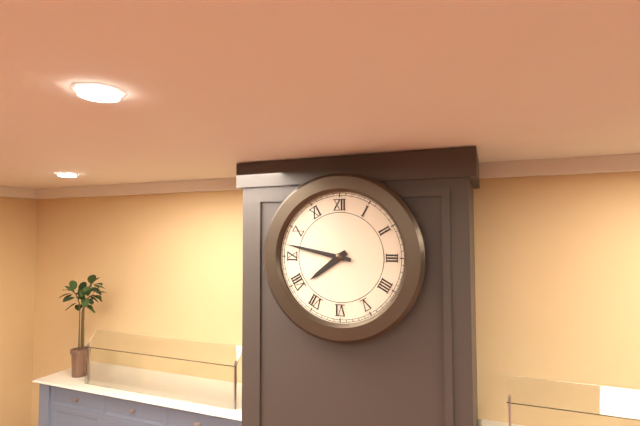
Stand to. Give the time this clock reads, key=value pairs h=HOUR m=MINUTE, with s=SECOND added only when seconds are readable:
h=7 m=47
